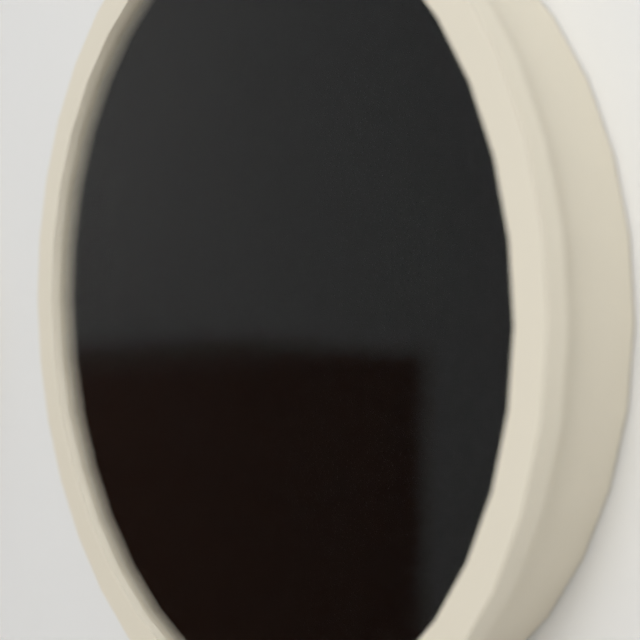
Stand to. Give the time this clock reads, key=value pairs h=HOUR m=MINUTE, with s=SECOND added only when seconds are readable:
h=12 m=32 s=57
